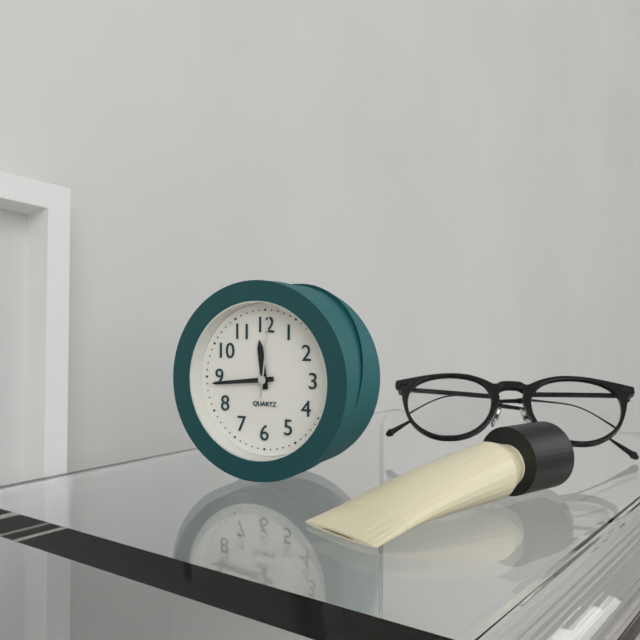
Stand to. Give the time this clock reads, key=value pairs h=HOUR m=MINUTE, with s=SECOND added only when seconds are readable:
h=11 m=44 s=1
